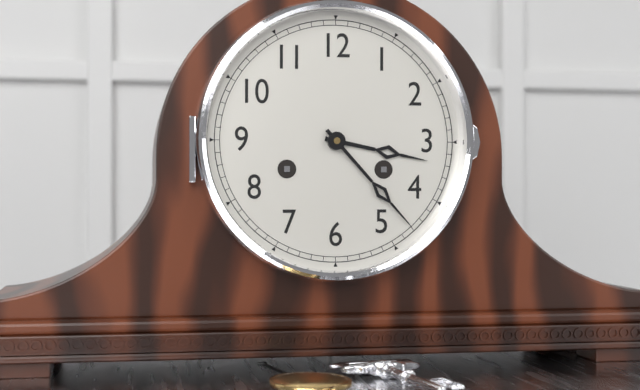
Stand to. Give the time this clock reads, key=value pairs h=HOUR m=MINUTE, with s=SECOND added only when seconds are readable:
h=3 m=23
